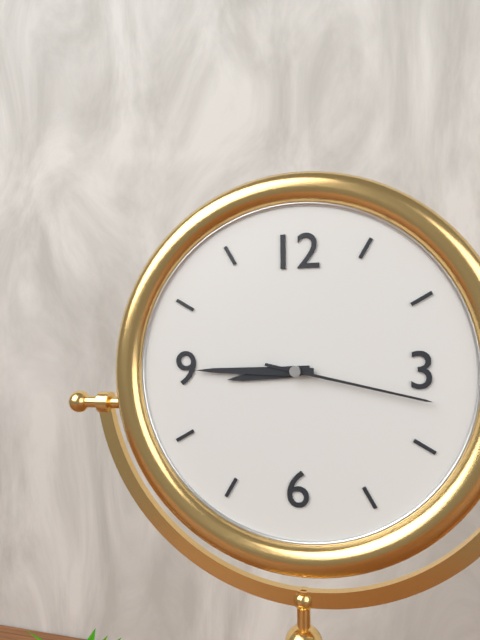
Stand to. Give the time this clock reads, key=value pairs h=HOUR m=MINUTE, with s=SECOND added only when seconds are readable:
h=8 m=45 s=17
